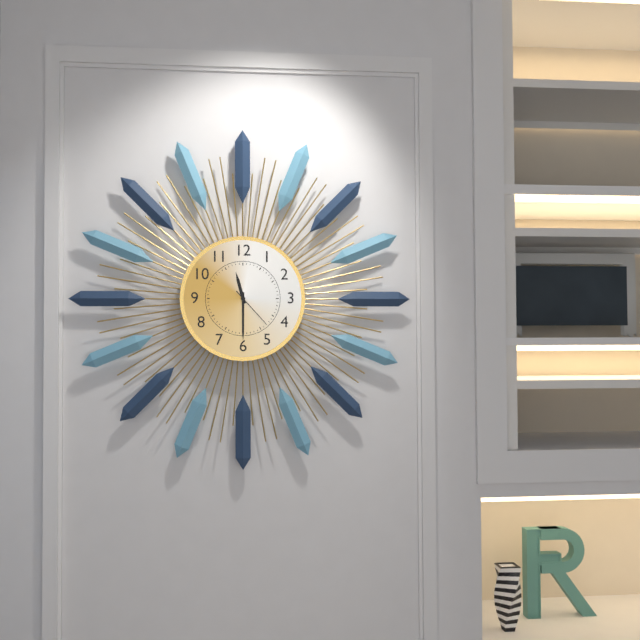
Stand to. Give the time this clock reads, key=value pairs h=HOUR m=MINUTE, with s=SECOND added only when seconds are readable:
h=11 m=30
